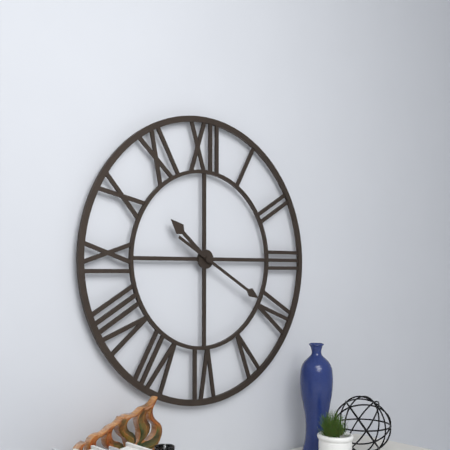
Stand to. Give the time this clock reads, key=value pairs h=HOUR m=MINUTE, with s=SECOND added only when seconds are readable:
h=10 m=20
